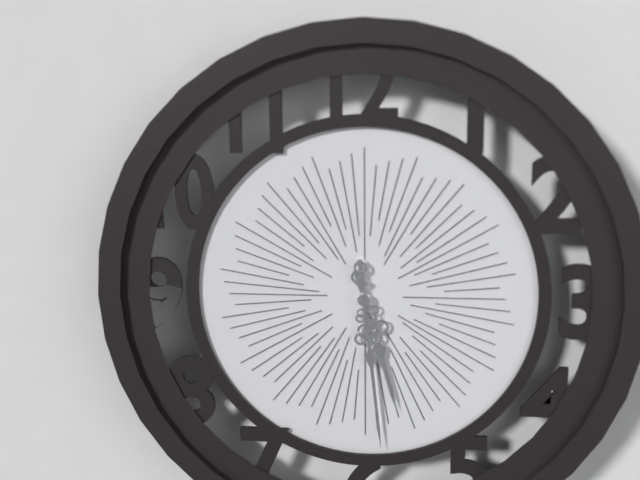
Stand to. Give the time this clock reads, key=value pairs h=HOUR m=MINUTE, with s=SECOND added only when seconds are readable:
h=5 m=29
